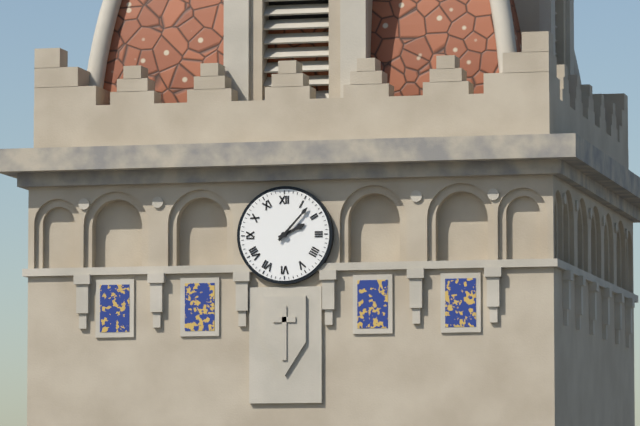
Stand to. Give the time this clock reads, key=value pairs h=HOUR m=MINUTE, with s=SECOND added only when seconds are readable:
h=2 m=7
